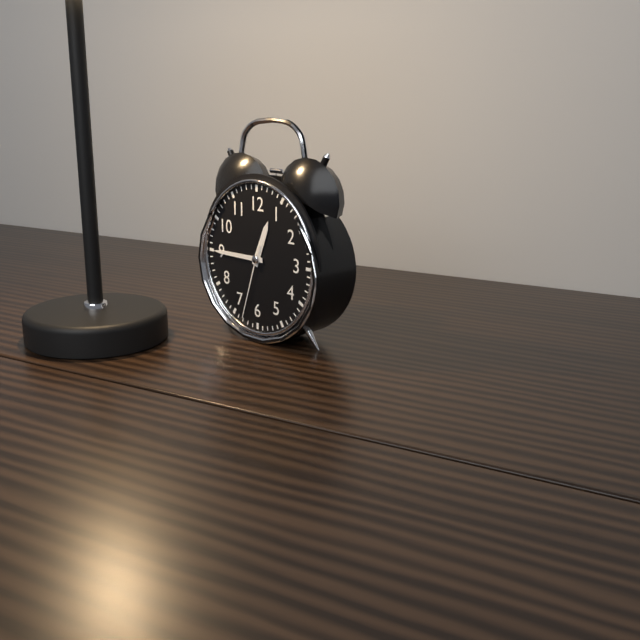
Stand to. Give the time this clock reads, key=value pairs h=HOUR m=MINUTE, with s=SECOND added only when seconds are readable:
h=12 m=45 s=33
